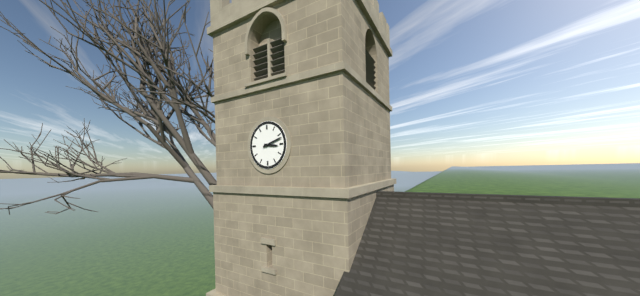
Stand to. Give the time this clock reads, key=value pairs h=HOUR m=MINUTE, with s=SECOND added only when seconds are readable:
h=3 m=12
